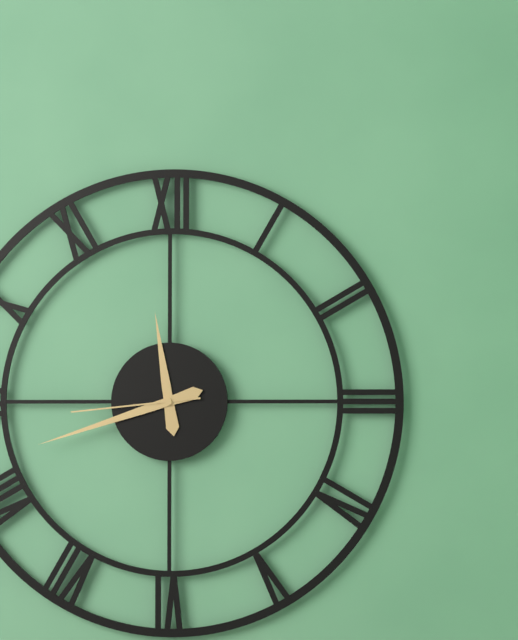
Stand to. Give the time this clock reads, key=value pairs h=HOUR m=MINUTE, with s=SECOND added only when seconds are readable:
h=11 m=42 s=44
